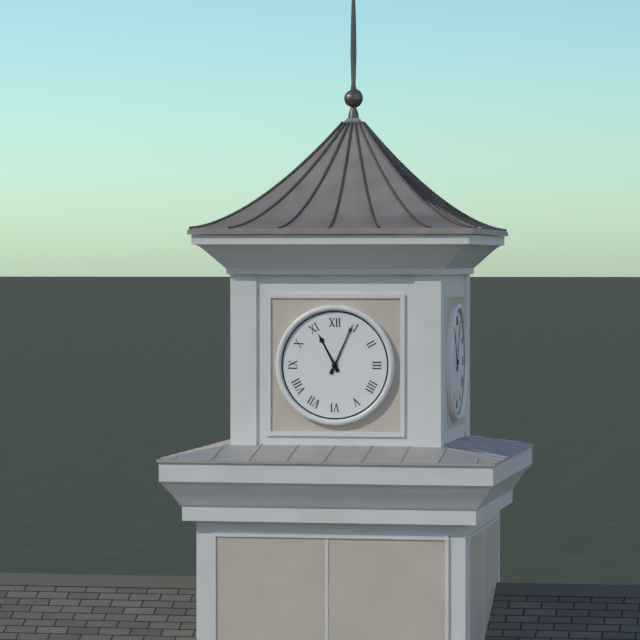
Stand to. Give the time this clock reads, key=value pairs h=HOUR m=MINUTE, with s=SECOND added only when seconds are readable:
h=11 m=4
